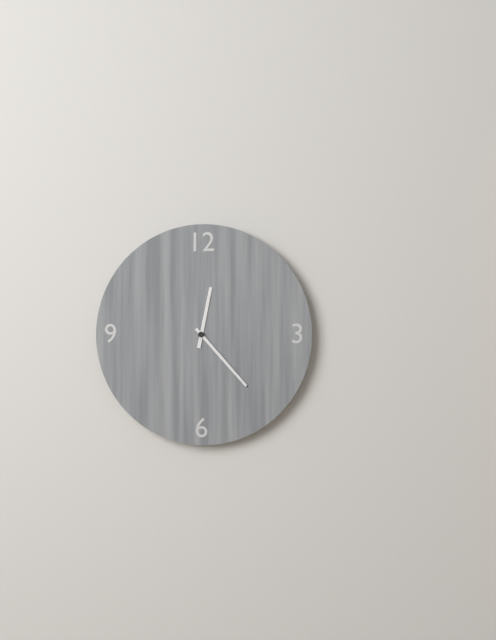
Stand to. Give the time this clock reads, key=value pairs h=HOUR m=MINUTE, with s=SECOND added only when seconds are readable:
h=12 m=23
